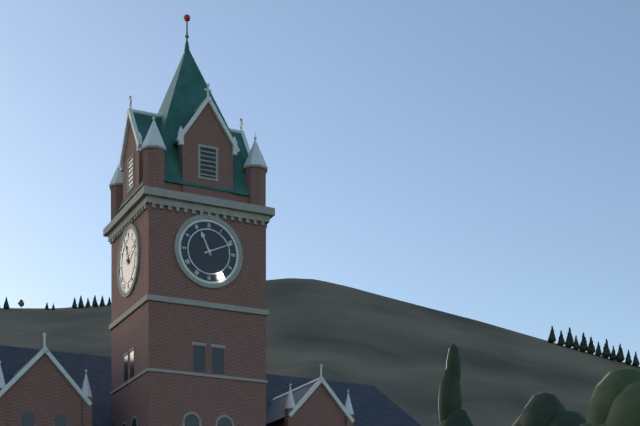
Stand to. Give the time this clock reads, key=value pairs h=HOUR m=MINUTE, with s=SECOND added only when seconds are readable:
h=11 m=11
